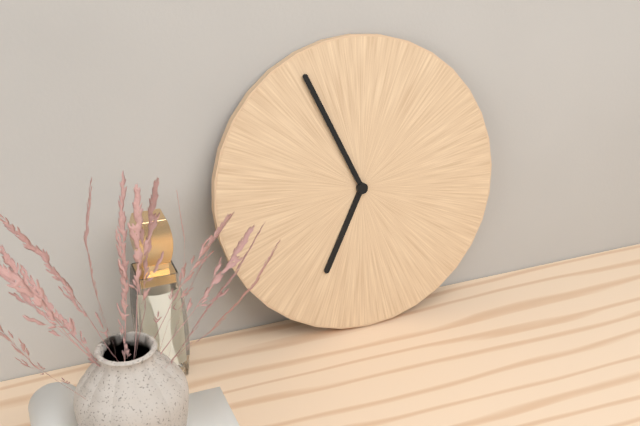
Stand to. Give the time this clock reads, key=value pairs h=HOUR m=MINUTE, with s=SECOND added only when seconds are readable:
h=6 m=56
